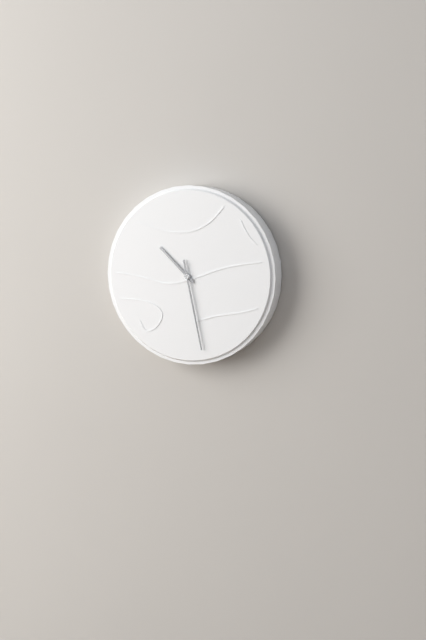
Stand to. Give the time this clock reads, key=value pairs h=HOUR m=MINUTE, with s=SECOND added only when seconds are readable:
h=10 m=28
